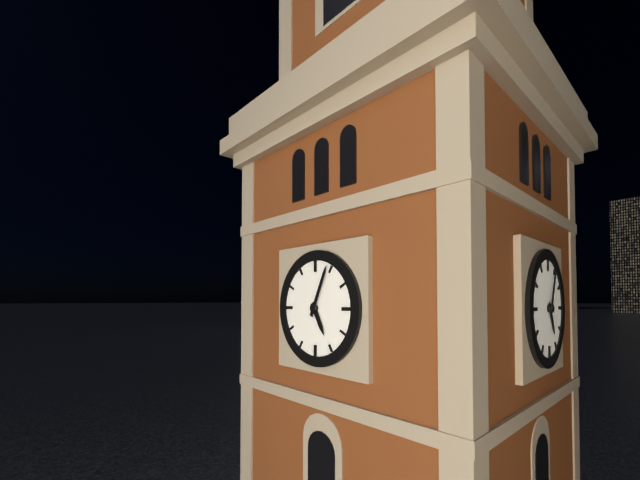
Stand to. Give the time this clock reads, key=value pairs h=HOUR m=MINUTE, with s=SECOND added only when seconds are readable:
h=5 m=4
